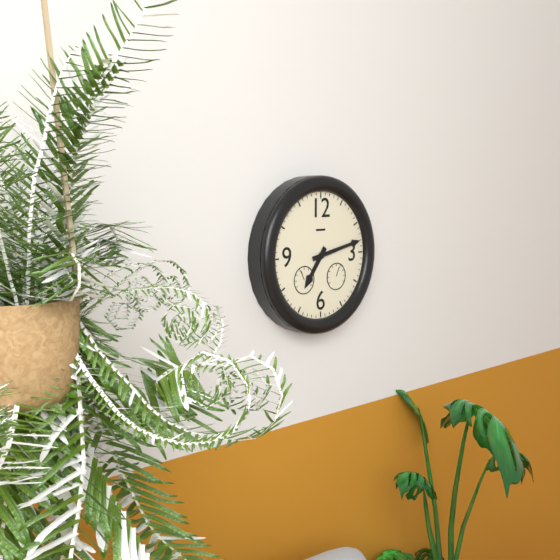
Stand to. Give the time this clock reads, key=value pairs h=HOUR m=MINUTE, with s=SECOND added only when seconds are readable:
h=7 m=13
